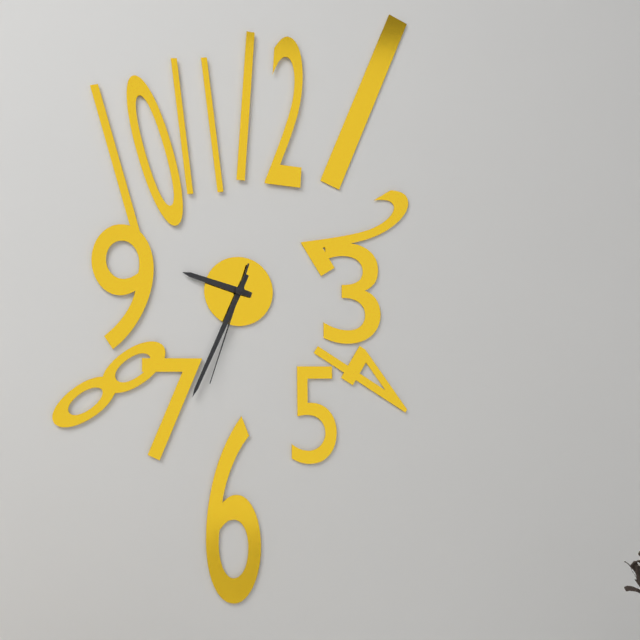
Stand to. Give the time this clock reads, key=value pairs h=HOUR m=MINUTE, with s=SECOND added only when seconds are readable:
h=9 m=34 s=33
